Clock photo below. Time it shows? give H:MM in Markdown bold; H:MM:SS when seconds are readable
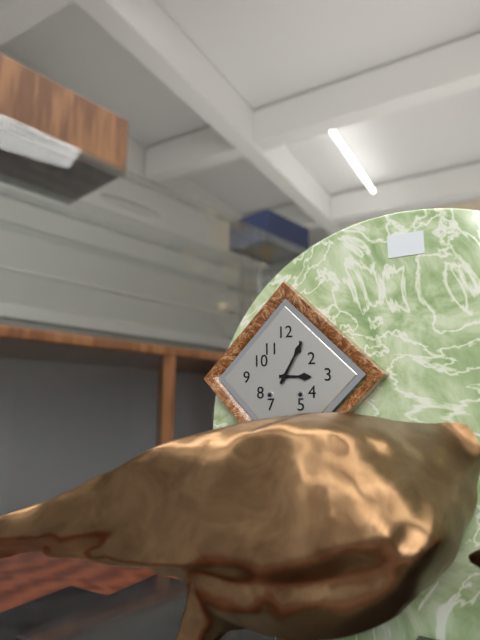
**3:05**
